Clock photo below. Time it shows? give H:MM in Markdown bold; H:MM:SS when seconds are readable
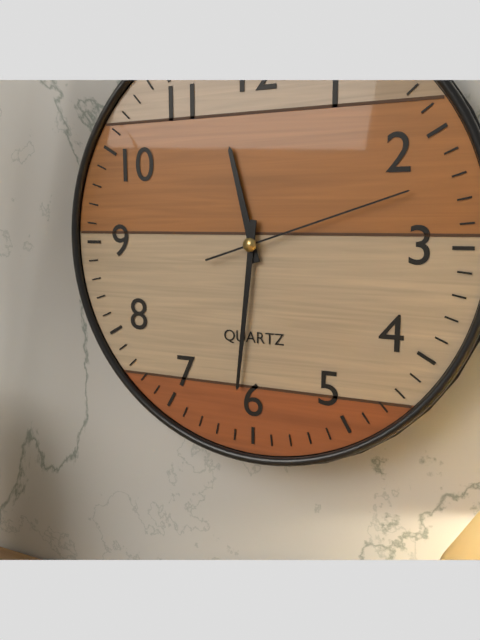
**11:31:12**
